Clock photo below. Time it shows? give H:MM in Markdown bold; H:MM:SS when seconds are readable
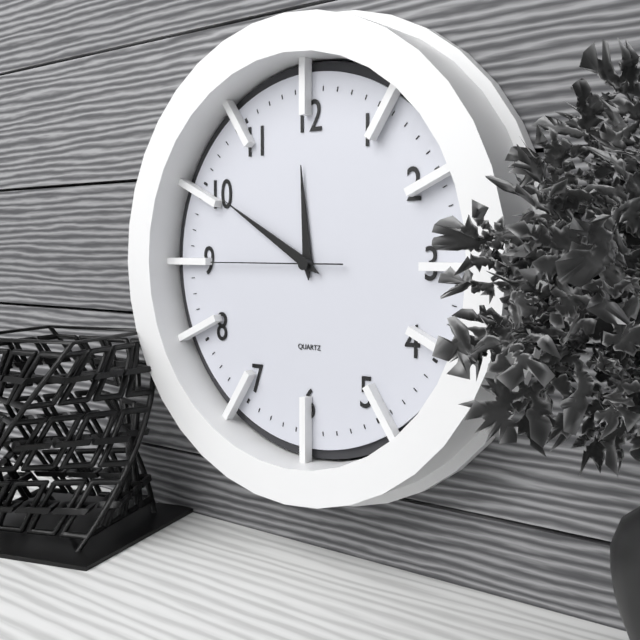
**11:50:45**
